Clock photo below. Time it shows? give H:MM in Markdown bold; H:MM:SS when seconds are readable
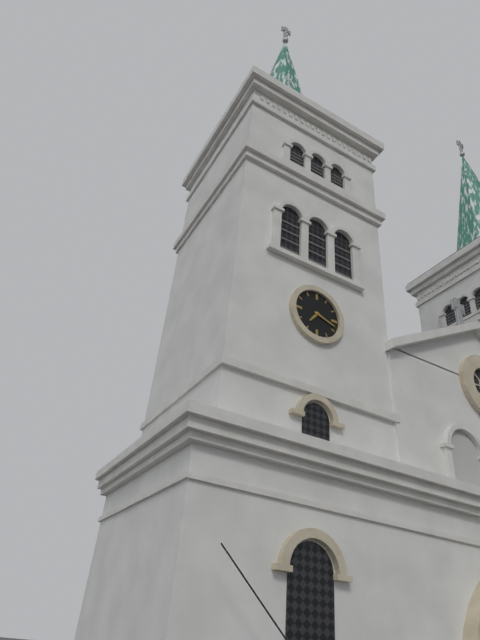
**7:18**
